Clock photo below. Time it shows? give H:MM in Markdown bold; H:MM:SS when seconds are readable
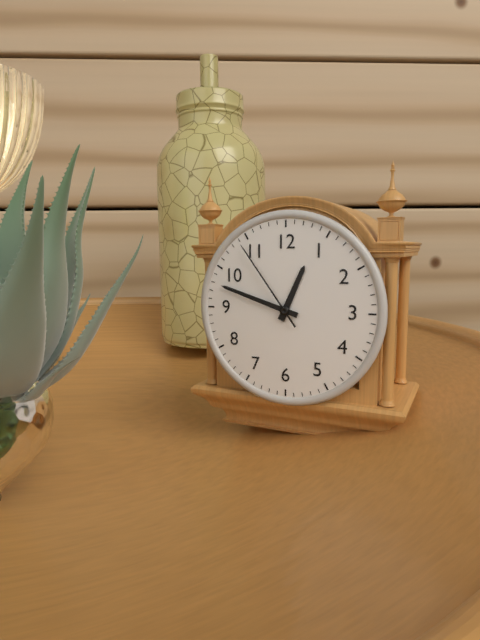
**12:48:54**
